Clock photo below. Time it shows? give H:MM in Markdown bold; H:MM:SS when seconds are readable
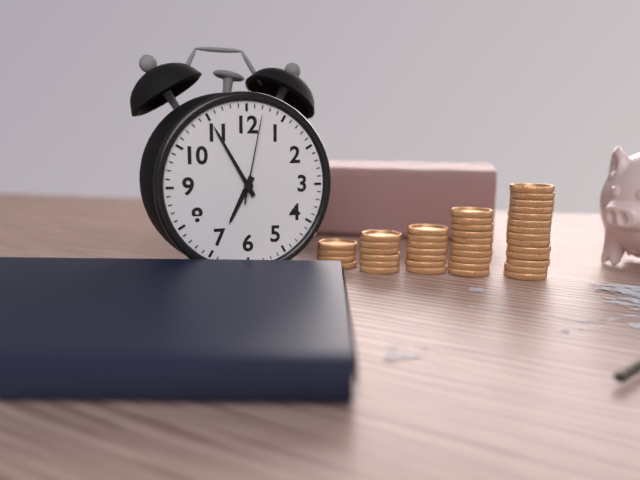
**6:55:02**
